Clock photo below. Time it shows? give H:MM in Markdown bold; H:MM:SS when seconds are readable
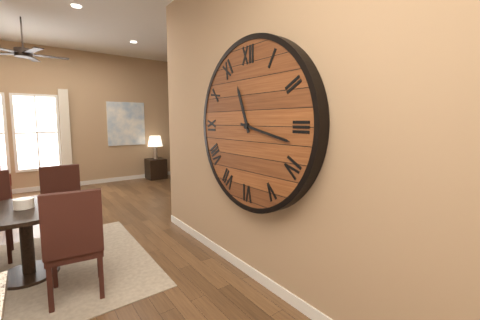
**11:17**
